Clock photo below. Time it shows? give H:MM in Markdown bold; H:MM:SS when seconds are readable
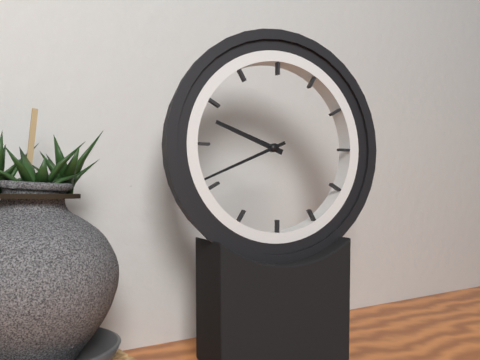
**9:41**
